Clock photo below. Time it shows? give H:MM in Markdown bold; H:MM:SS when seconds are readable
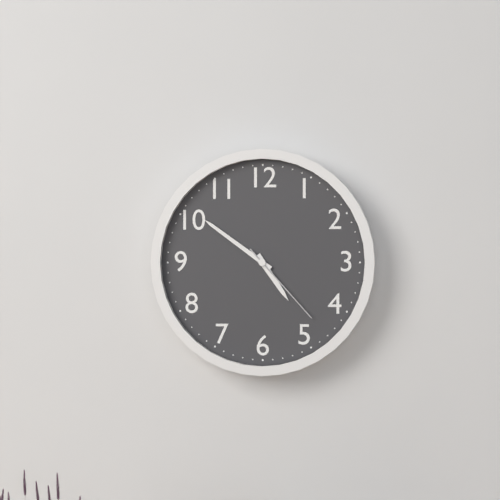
**4:51:23**
